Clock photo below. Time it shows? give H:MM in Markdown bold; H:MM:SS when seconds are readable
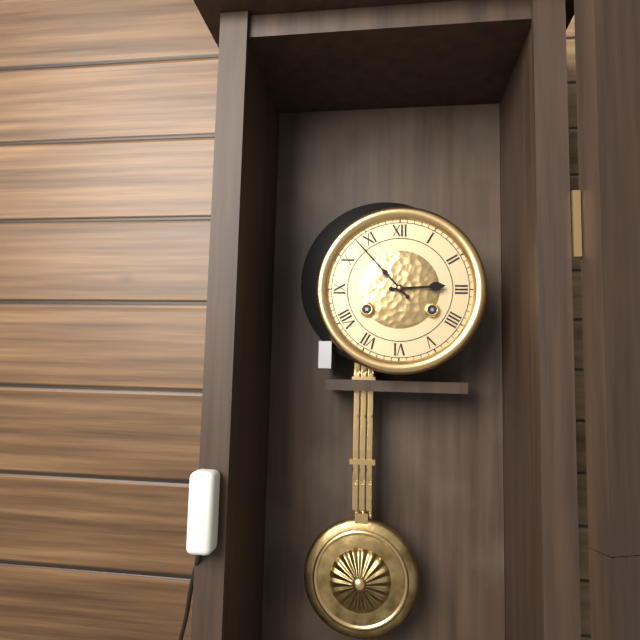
**2:53**
